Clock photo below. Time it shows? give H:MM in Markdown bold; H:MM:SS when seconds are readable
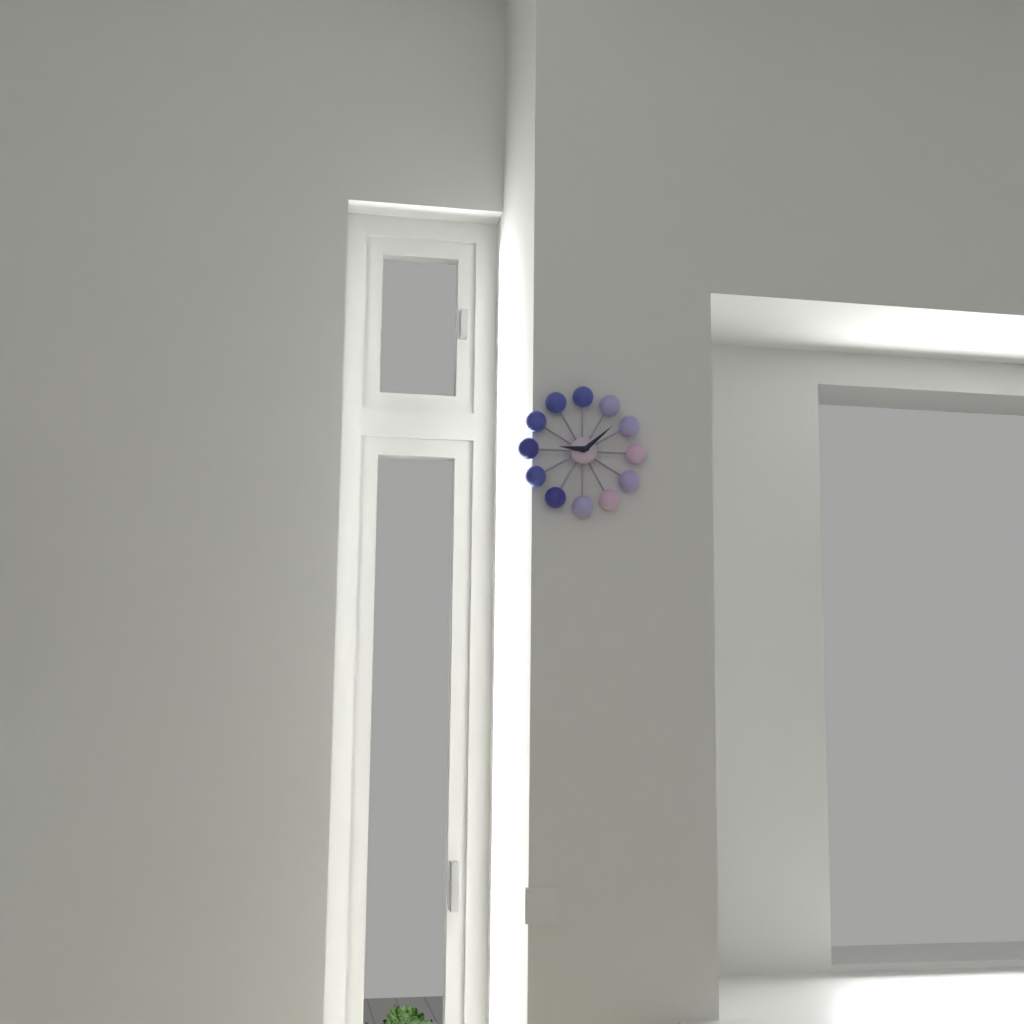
**9:08**
